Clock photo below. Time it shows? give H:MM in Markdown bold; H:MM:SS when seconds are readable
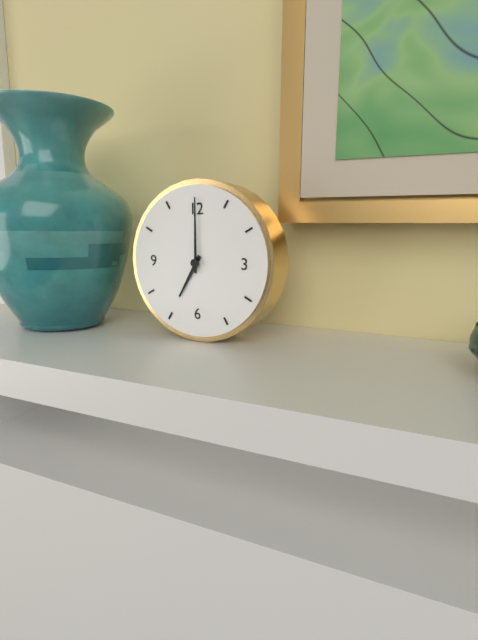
**7:00**
